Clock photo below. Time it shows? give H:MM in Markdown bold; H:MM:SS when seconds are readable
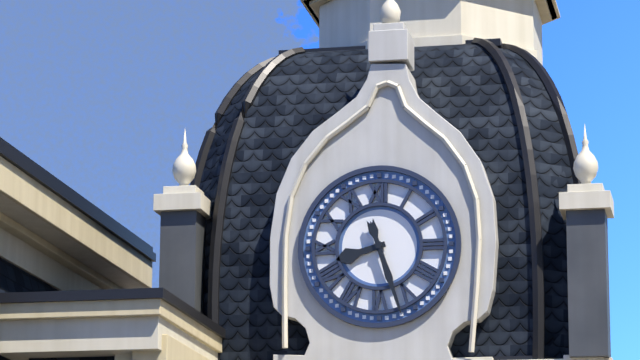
**8:27**
